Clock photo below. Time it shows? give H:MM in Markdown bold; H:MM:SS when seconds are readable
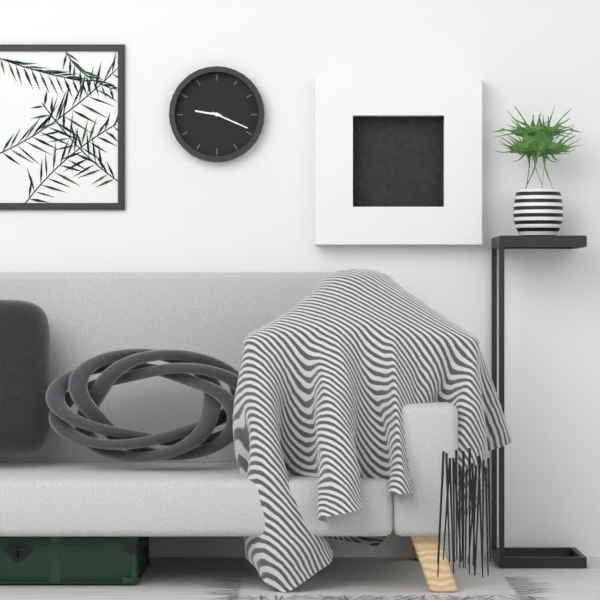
**9:19**
